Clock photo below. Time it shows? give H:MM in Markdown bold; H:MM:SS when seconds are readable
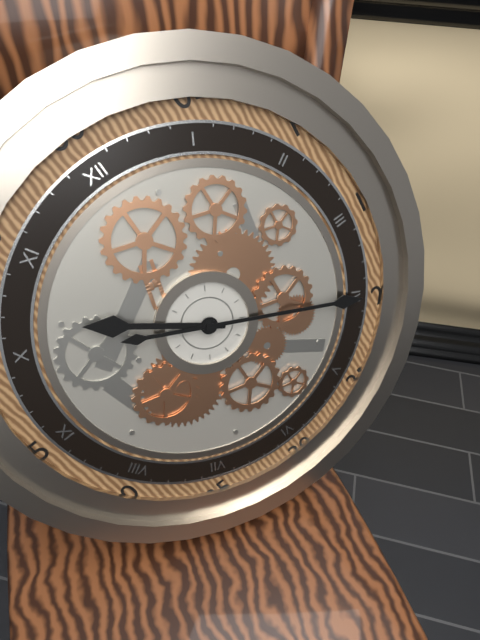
**10:20**
